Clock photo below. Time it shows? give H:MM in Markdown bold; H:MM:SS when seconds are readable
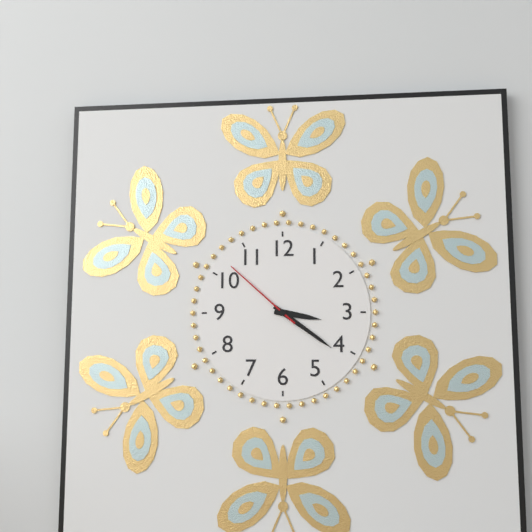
**3:21:52**
